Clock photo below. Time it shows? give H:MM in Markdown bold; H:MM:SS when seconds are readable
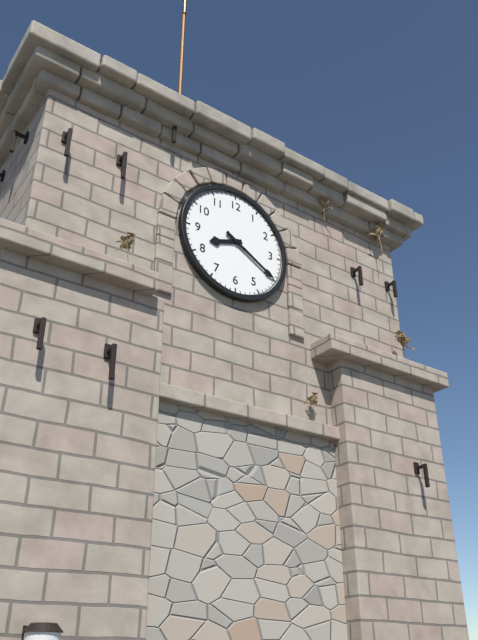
**8:20**
